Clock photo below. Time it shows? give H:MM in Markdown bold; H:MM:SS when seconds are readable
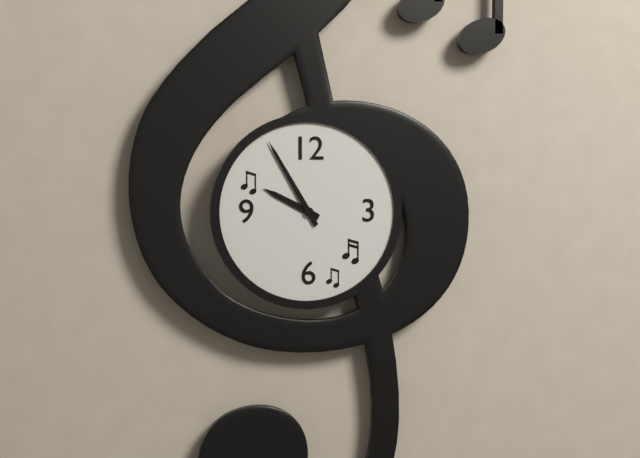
**9:55**
